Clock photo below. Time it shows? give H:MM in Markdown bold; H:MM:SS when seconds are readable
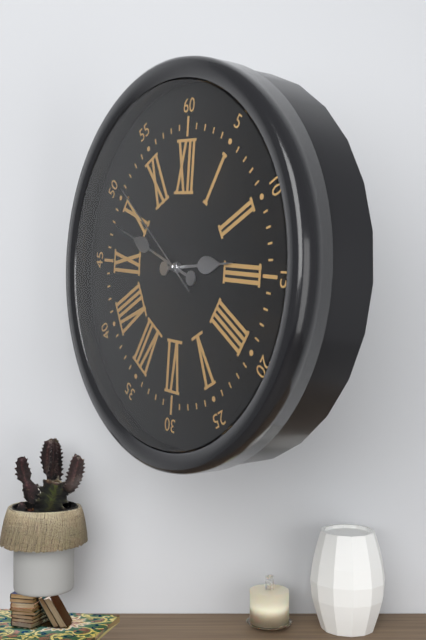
**2:48:51**
